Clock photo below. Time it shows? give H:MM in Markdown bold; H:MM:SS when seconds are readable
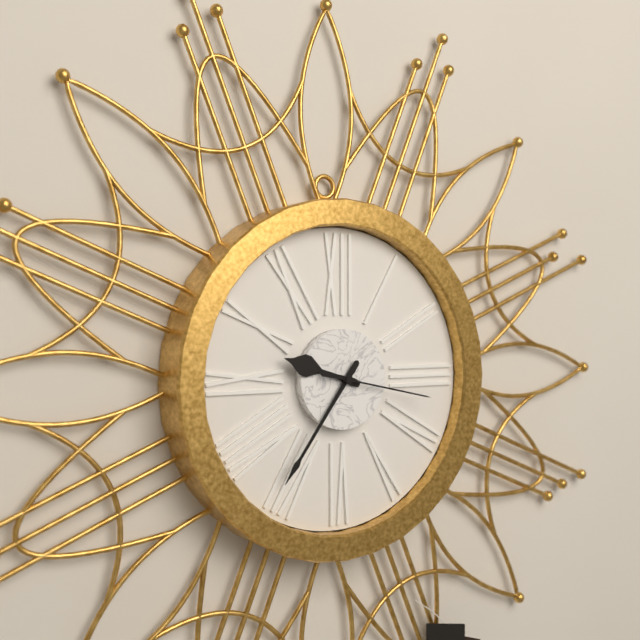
**9:36:17**
